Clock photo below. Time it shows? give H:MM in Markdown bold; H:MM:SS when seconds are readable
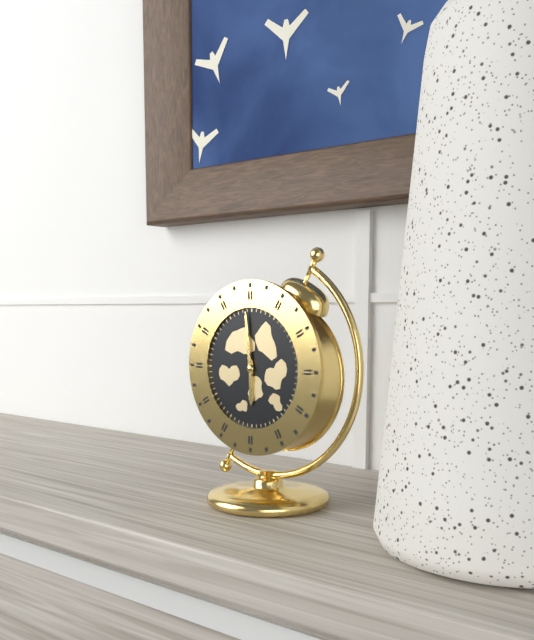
**5:59**
